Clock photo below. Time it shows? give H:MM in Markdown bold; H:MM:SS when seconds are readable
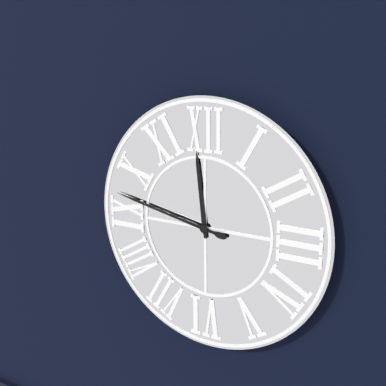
**11:47**
